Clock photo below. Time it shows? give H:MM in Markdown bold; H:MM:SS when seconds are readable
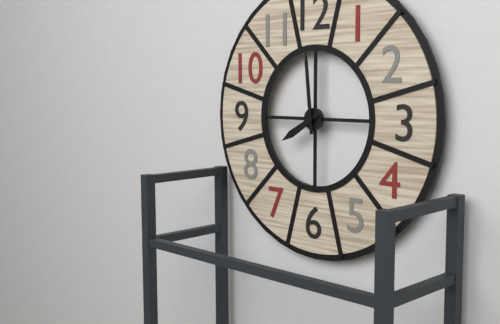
**7:59**
